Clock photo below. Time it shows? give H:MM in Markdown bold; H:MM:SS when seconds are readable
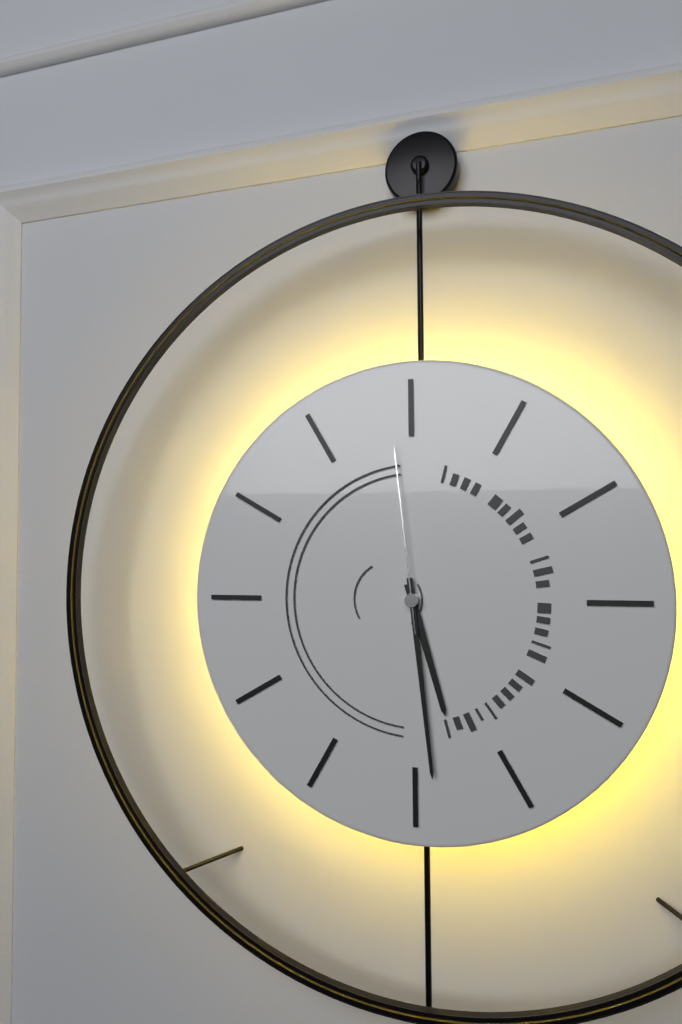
**5:29:59**
